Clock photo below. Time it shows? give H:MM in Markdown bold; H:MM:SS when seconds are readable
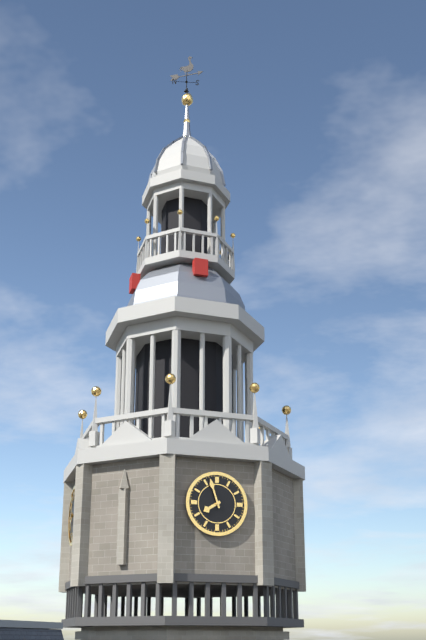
**7:57**
